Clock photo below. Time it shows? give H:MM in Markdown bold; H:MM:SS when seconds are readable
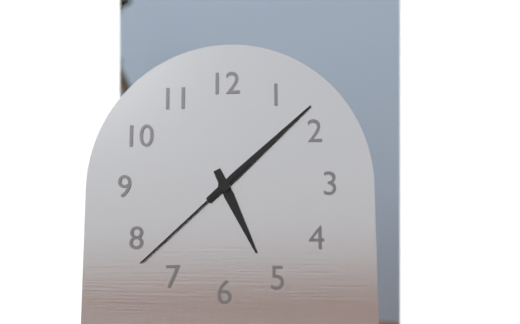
**5:08:38**
